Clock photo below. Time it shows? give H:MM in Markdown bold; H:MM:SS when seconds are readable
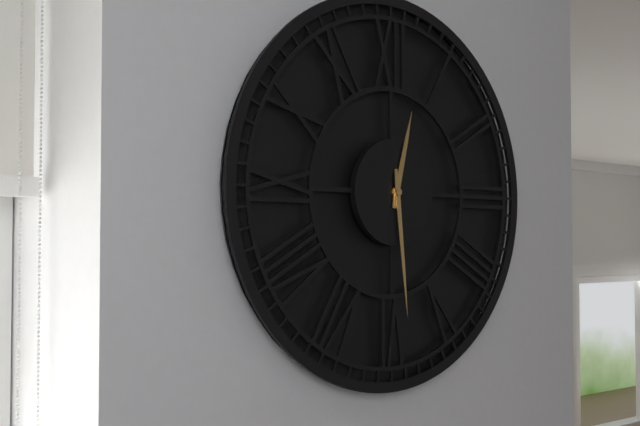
**12:29**
